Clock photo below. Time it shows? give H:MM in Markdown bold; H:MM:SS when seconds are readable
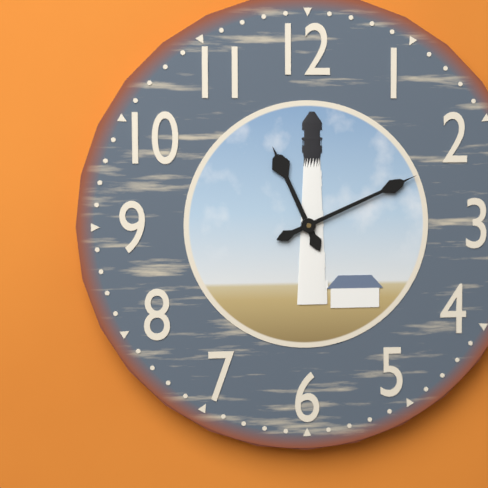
**11:11**
